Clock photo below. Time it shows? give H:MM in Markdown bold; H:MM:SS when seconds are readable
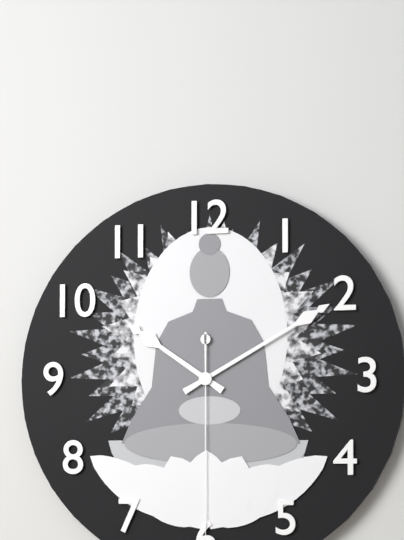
**10:10:30**
